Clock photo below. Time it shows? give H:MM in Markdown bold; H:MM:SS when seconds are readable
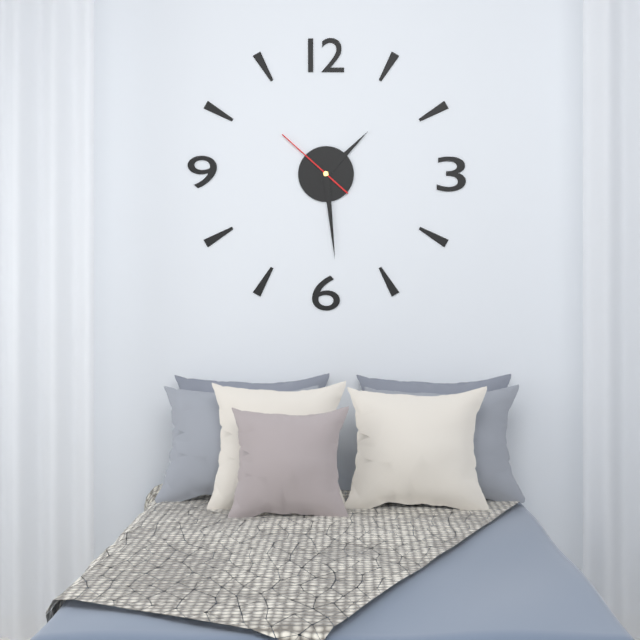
**1:29:52**
